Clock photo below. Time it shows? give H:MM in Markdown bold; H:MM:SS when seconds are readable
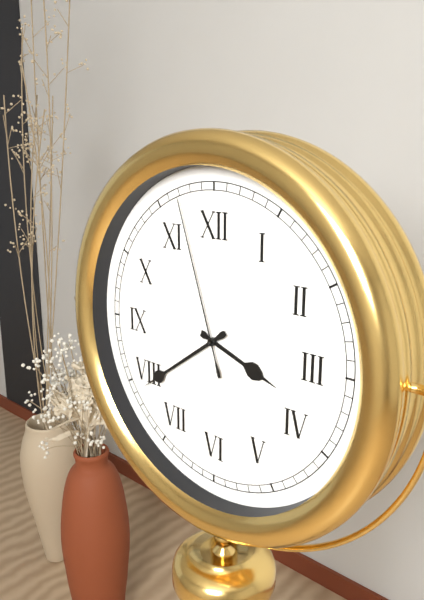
**3:39:57**
